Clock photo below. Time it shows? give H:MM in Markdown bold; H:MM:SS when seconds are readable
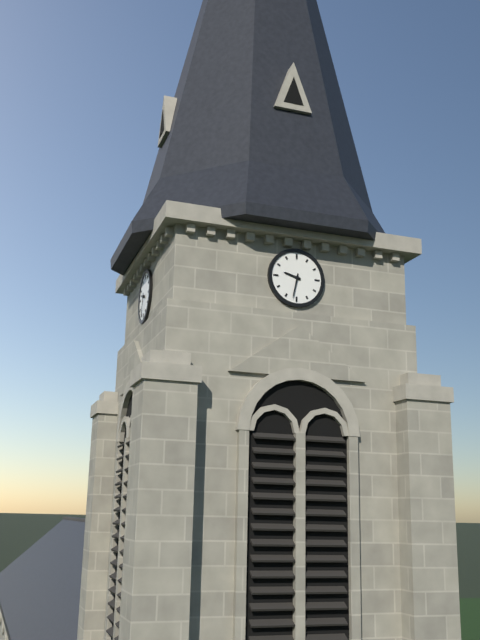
**9:32**
